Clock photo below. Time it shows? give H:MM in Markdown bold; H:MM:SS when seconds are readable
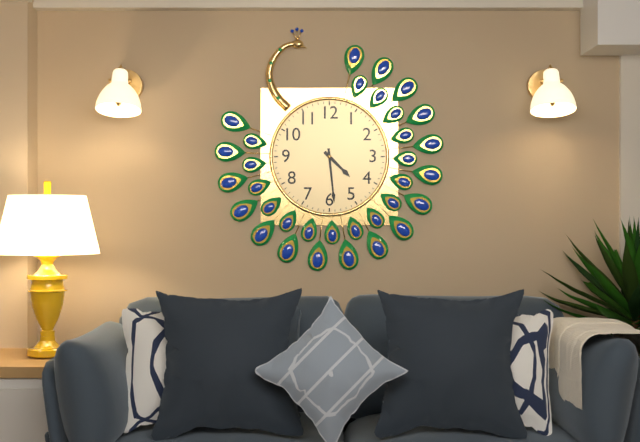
**4:29**
